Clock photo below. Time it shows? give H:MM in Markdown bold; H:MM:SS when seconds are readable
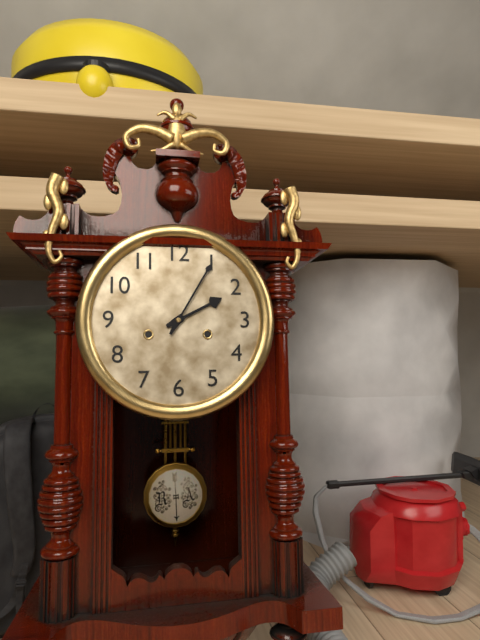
**2:05**
